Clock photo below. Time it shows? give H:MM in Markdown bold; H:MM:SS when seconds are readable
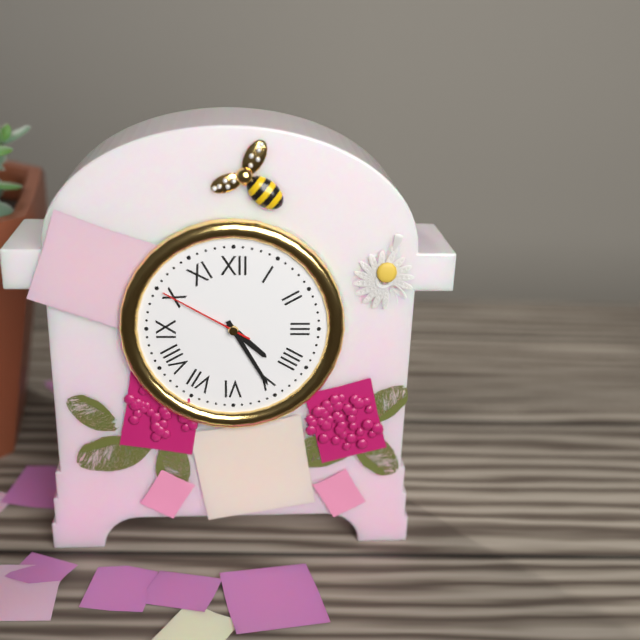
**4:25:50**
